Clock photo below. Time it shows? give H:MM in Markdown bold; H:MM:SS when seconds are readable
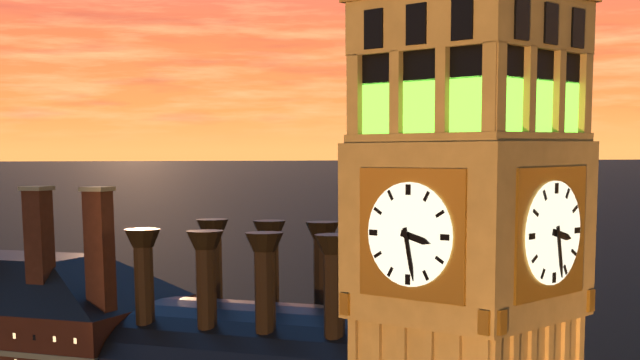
**3:28**
